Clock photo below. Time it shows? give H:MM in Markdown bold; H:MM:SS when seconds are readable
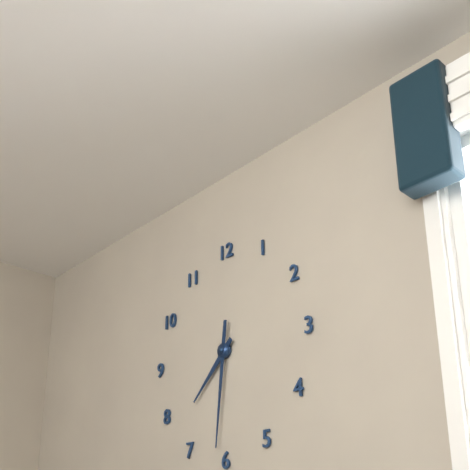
**7:31**
